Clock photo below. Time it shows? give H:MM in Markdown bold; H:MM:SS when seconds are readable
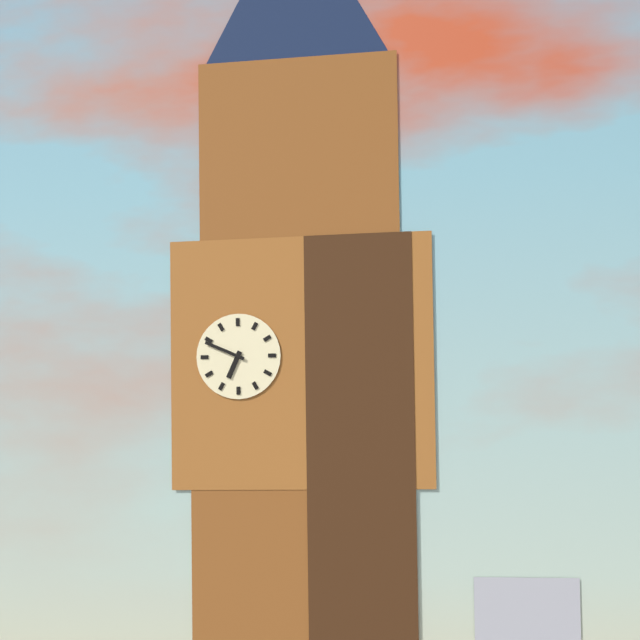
**6:49**
